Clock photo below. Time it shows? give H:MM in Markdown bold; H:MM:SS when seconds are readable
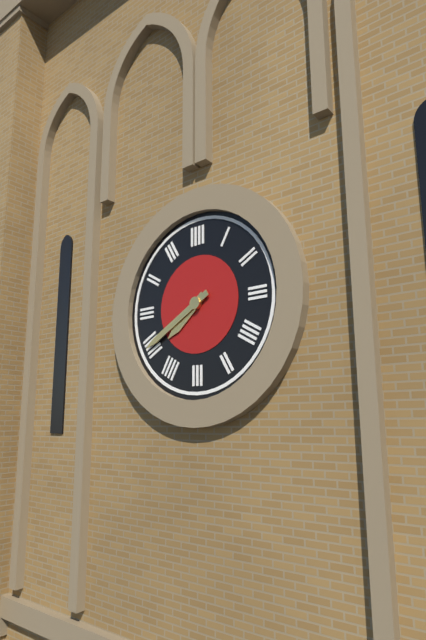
**7:40**
